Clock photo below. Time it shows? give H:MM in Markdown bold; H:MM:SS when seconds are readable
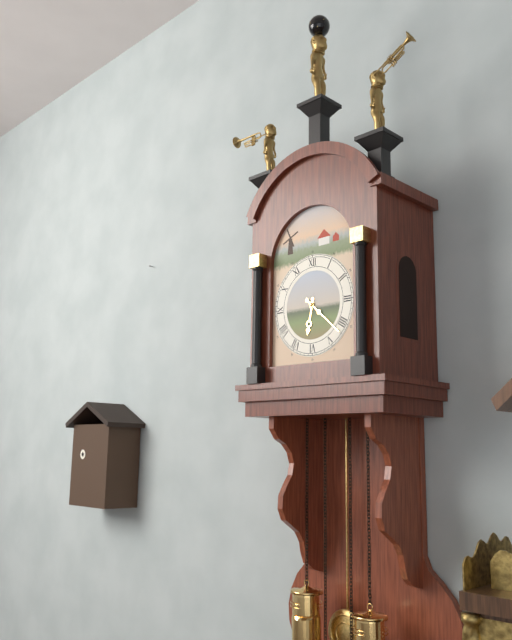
**6:22**
